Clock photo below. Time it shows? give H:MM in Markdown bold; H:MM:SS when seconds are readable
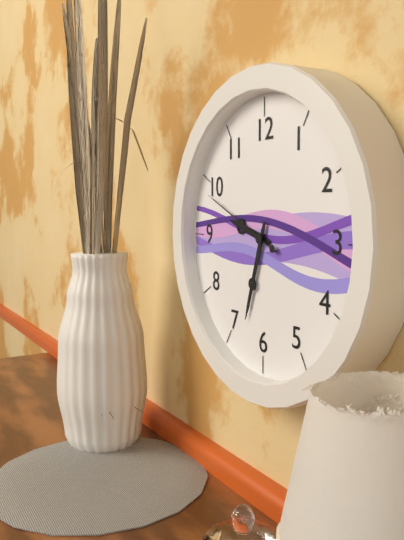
**9:33:49**
